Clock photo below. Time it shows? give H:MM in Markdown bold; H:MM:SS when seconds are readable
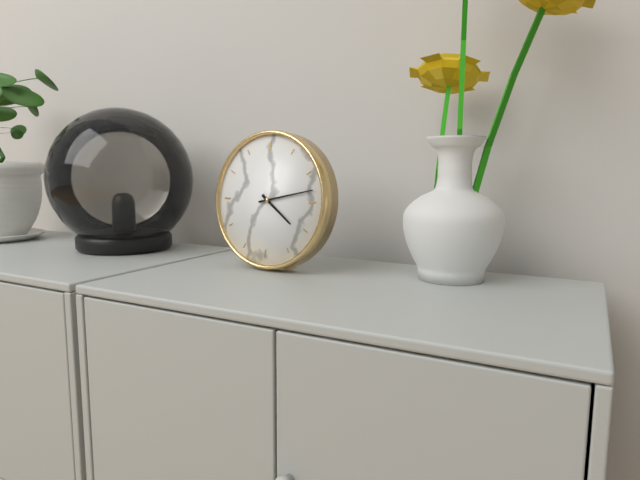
**4:13**
